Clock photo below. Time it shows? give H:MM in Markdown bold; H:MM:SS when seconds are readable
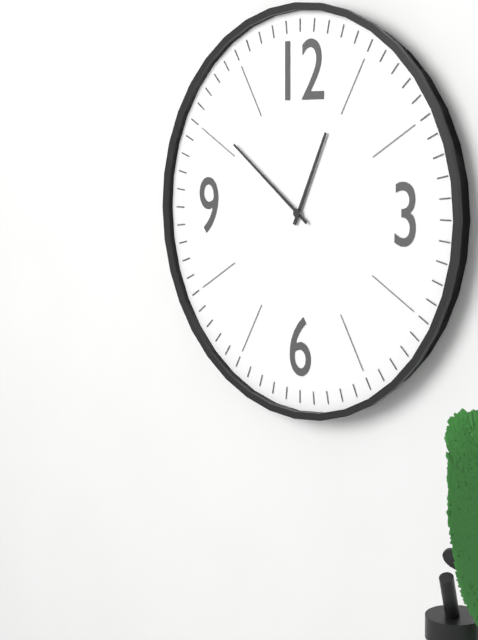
**12:51**
